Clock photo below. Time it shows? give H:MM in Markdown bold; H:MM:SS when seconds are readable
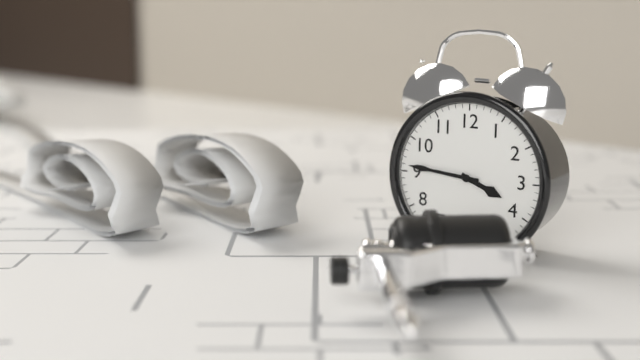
**3:46**
